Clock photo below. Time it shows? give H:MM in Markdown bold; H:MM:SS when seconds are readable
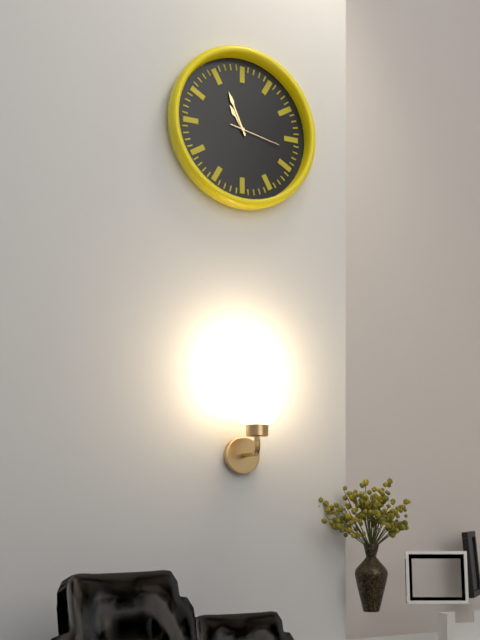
**10:56:17**
